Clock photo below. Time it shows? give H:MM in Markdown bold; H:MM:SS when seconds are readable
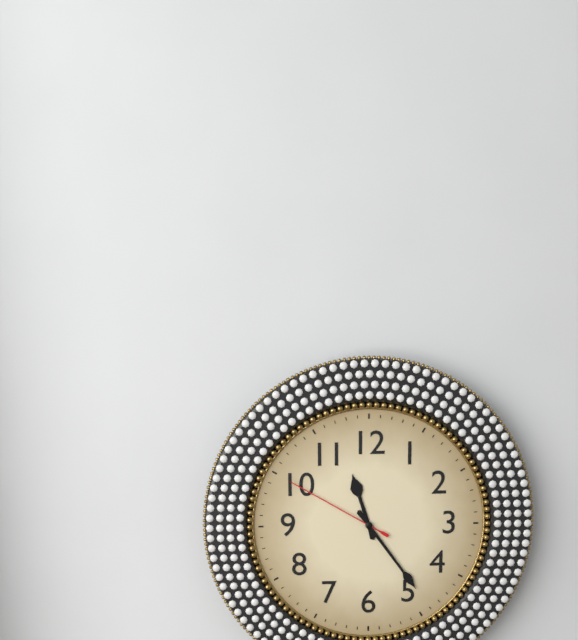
**11:24:50**
